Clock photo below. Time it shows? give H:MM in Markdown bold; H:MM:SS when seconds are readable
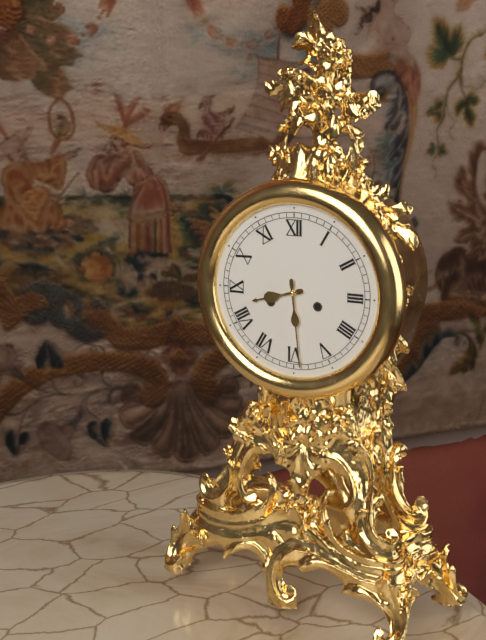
**8:29**
